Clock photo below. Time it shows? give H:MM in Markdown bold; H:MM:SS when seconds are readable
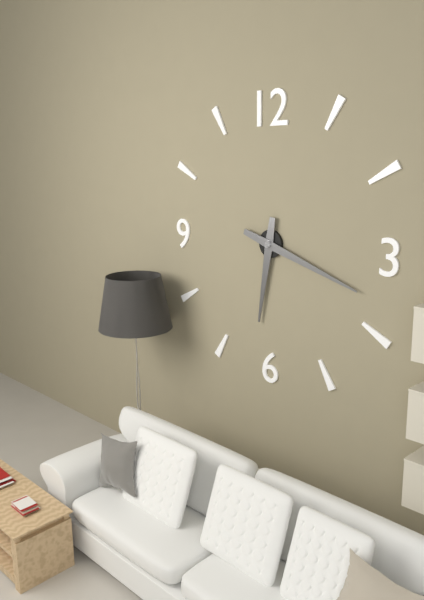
**6:18**
